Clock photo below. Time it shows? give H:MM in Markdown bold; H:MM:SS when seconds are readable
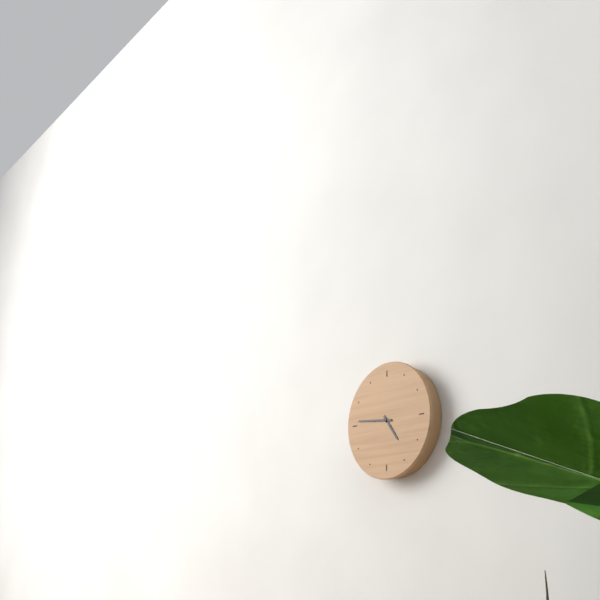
**4:46**
